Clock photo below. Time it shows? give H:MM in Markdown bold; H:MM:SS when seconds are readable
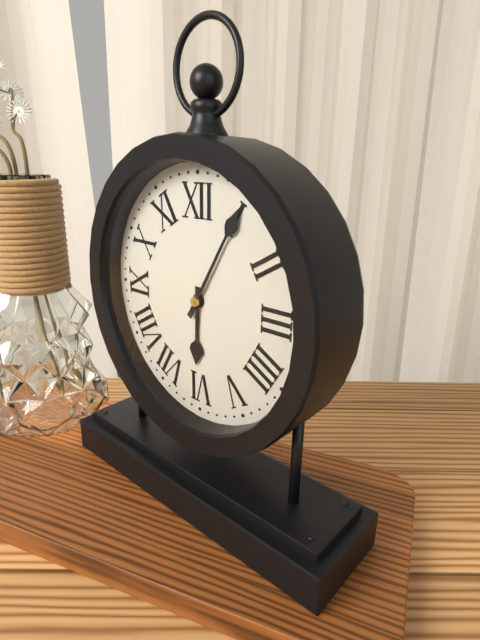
**6:05**
